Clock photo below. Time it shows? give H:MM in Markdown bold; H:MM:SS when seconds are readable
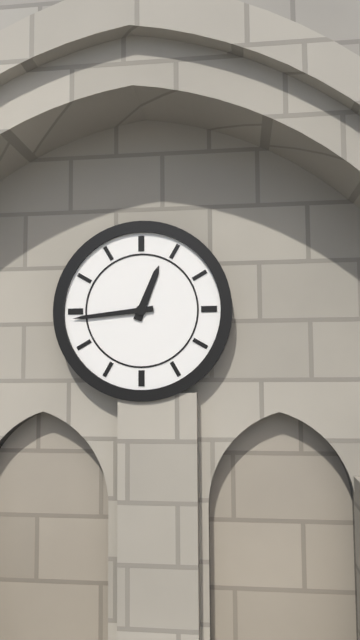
**12:44**
